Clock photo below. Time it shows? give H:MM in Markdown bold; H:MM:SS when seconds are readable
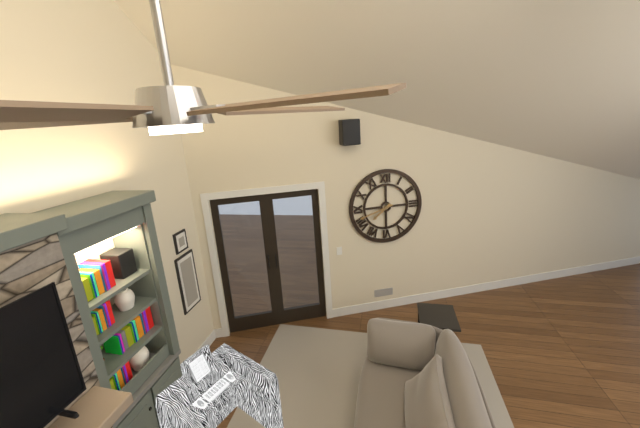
**7:42**
